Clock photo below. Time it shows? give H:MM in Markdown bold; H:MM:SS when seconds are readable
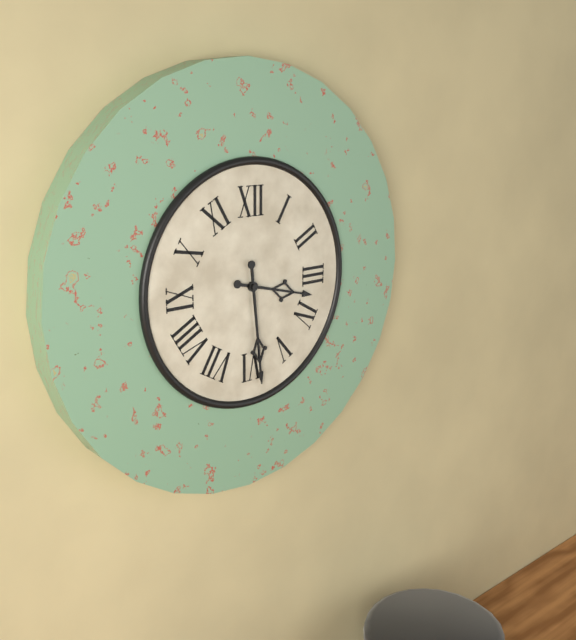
**3:29**
